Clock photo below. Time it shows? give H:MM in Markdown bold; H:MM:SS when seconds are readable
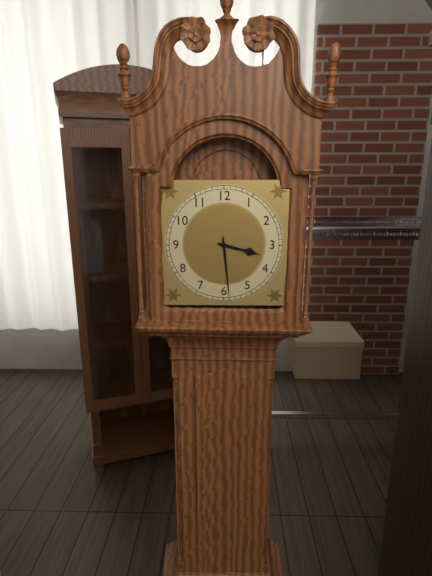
**3:29**
